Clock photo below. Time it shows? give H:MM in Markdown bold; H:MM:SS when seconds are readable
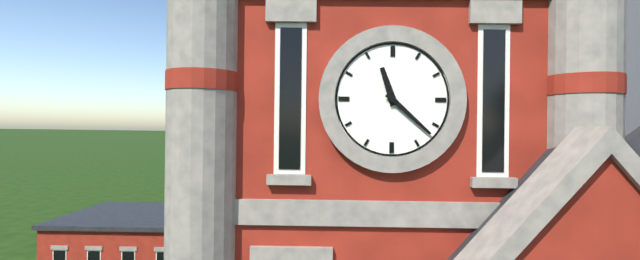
**11:22**
